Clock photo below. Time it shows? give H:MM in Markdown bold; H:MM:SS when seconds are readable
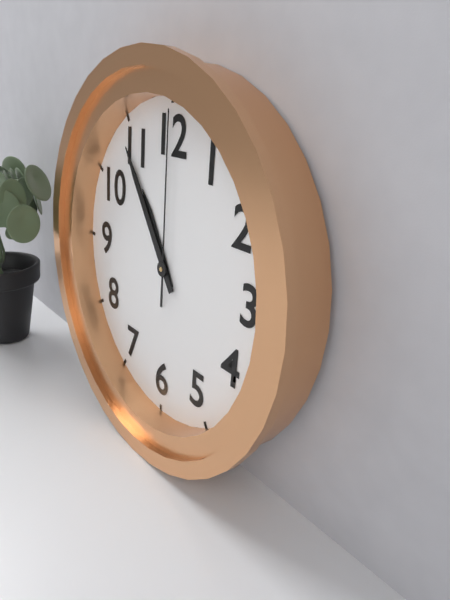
**10:54:00**
